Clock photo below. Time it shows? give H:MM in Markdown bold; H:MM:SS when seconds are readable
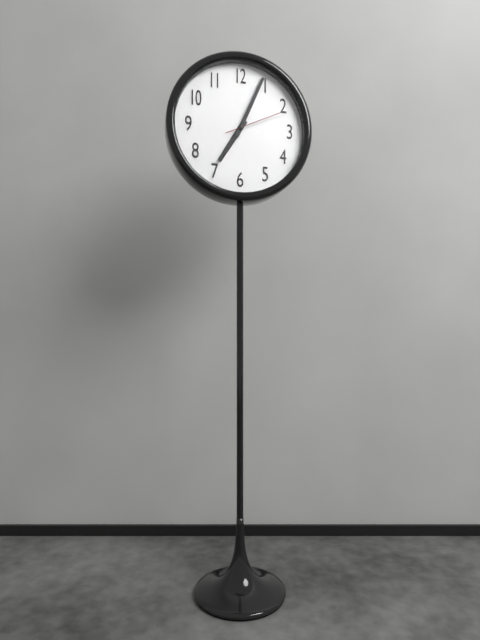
**7:04:11**
